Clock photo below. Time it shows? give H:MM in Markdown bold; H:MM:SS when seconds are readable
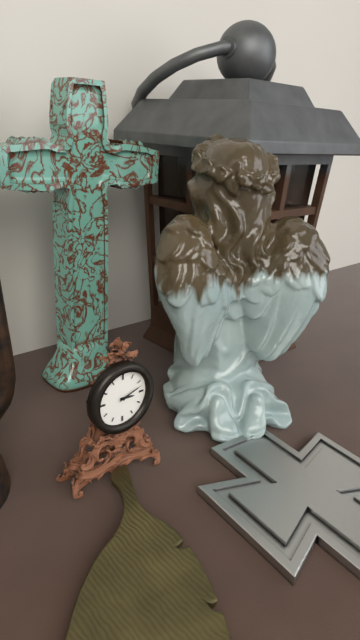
**3:12**
